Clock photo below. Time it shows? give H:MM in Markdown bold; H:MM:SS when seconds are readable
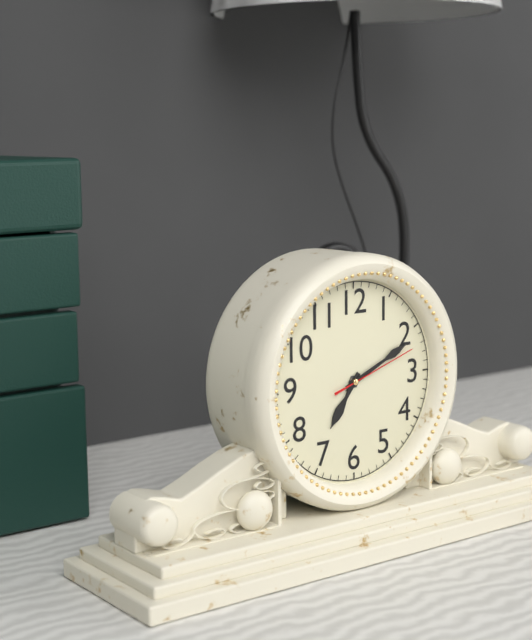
**7:11:12**
